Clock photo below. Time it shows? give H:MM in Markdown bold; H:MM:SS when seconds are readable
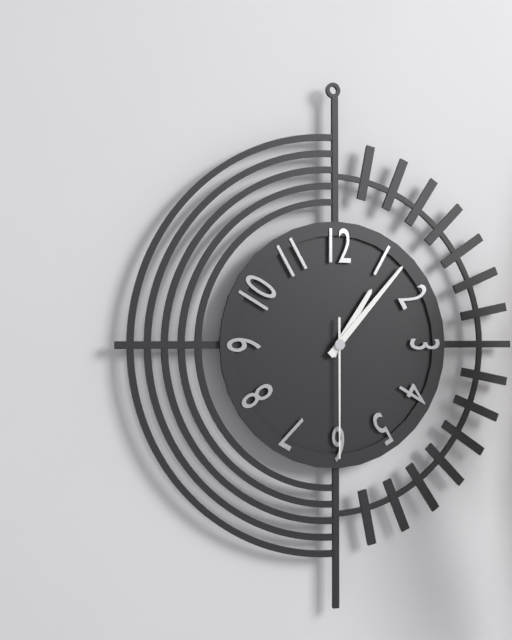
**1:07:30**
